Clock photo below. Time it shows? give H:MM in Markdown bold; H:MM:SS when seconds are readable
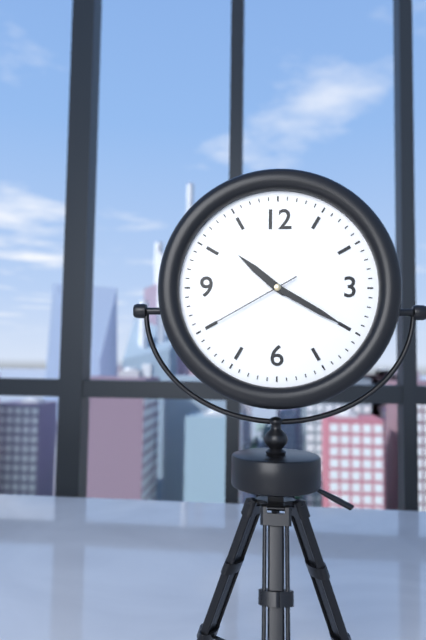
**10:20:40**
